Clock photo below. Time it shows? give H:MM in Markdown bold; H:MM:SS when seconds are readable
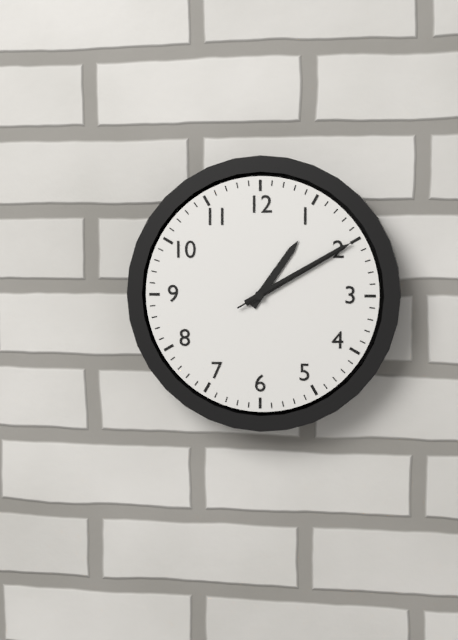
**1:10:10**
